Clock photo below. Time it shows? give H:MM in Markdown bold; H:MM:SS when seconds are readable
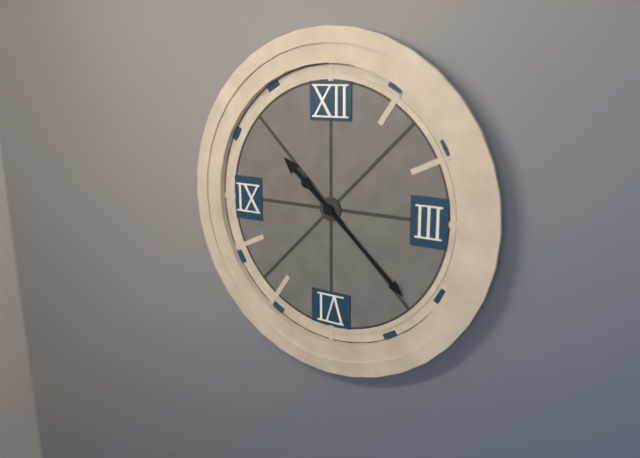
**10:22**
